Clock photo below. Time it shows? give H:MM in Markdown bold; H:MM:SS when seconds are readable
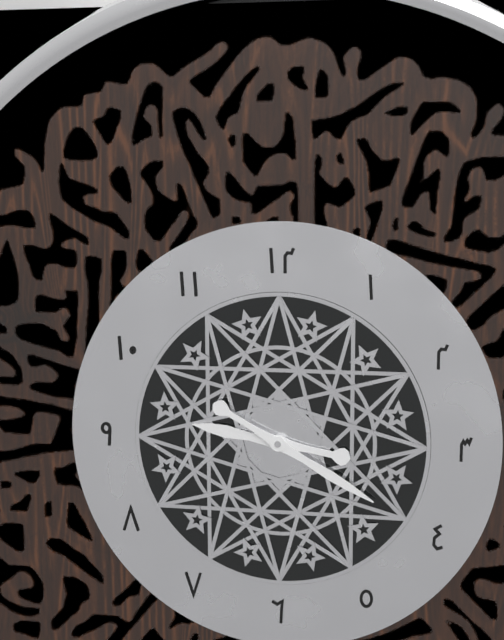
**9:20**
